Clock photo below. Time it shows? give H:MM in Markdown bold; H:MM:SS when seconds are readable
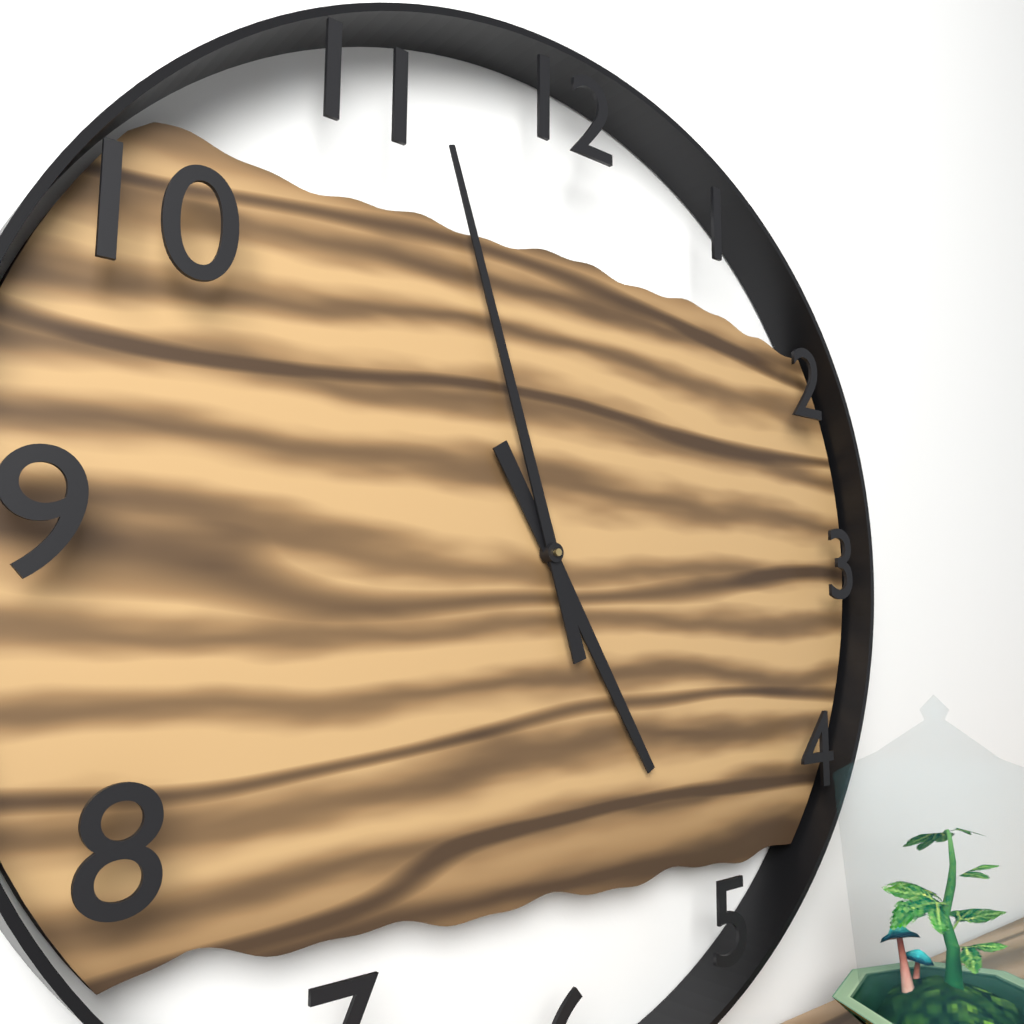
**4:57**
